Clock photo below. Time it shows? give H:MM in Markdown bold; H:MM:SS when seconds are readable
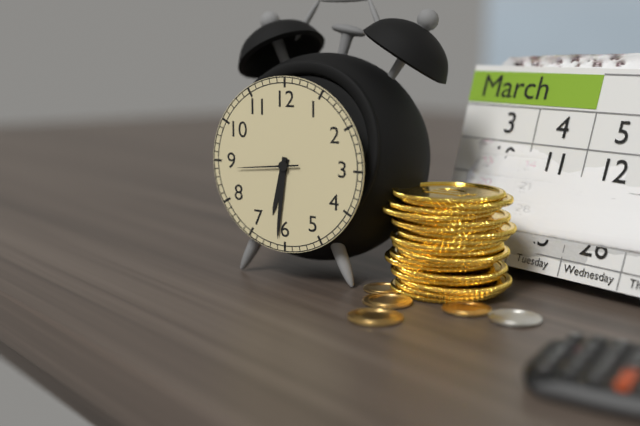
**6:31:44**
